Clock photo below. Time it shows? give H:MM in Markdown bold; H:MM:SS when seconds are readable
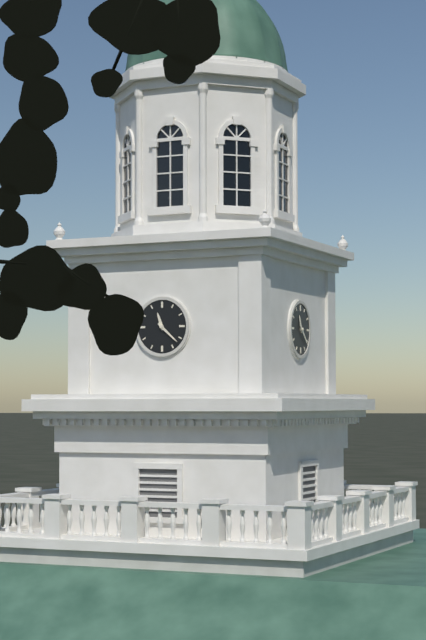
**11:22**
